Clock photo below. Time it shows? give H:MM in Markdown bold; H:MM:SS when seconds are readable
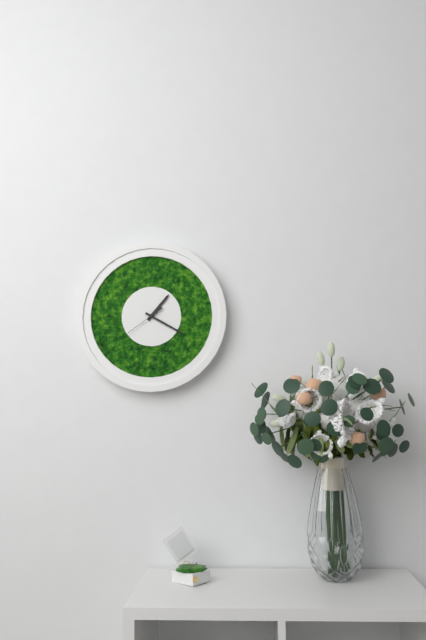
**1:20**
